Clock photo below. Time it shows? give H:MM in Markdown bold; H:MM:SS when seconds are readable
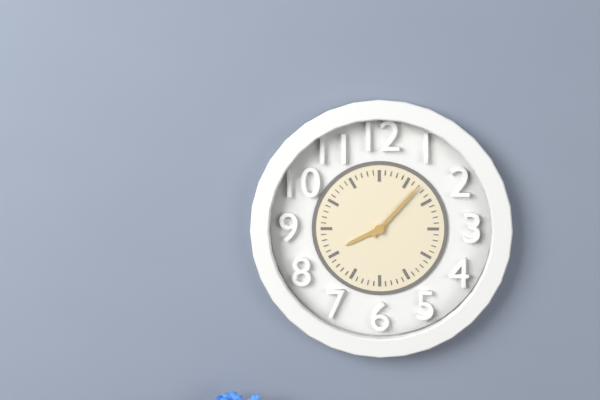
**8:07**
